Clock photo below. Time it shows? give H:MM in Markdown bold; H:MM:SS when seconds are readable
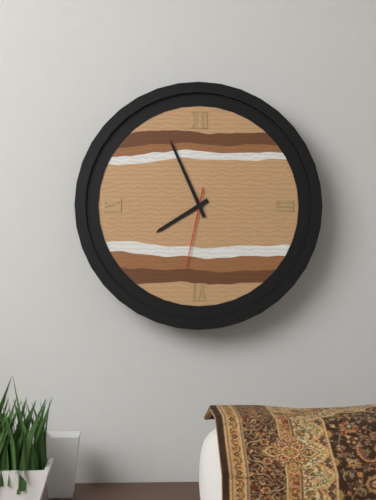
**7:56:32**
